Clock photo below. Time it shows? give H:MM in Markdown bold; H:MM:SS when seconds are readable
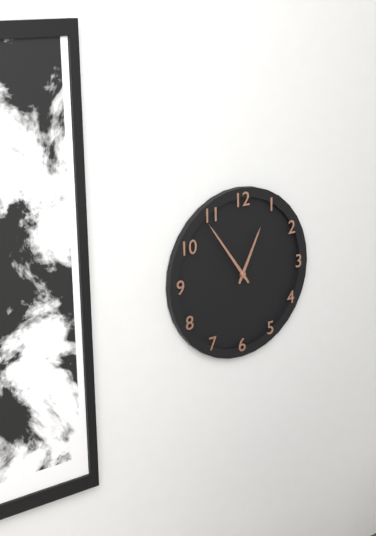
**12:54**
